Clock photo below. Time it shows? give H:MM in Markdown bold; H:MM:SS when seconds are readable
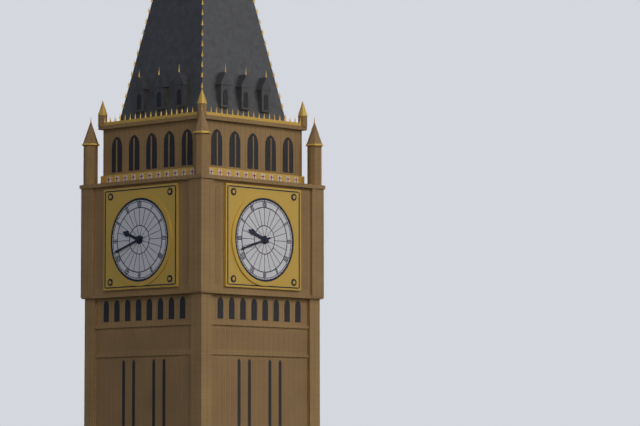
**9:42**
